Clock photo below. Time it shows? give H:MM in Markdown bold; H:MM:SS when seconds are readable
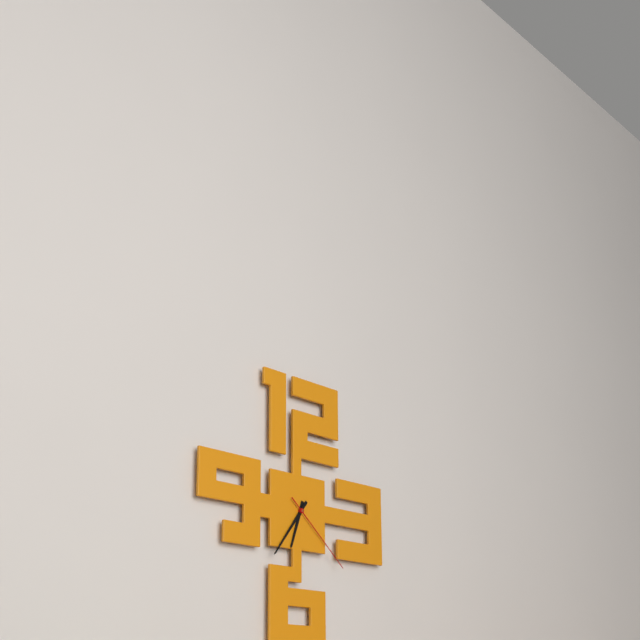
**6:36:22**
